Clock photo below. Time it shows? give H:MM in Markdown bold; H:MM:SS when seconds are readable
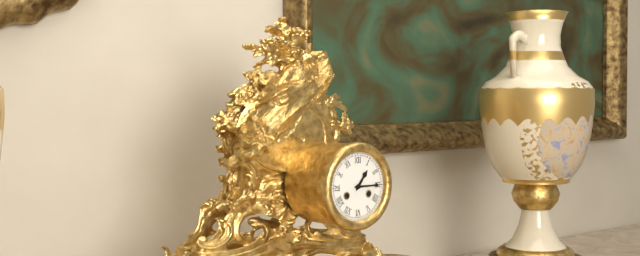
**1:15**
